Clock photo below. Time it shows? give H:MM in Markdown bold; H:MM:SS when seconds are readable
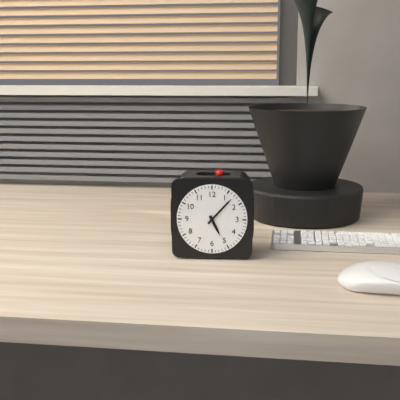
**5:07**
